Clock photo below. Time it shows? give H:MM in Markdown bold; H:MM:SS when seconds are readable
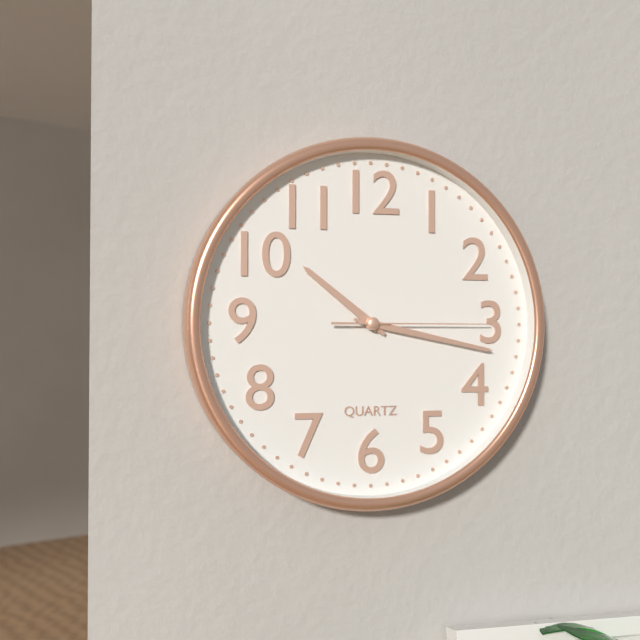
**10:17:15**
